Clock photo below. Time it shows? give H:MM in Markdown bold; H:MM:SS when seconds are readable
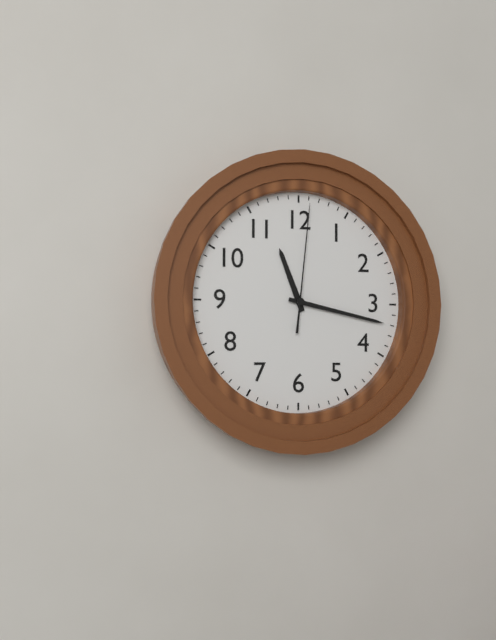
**11:17:01**
